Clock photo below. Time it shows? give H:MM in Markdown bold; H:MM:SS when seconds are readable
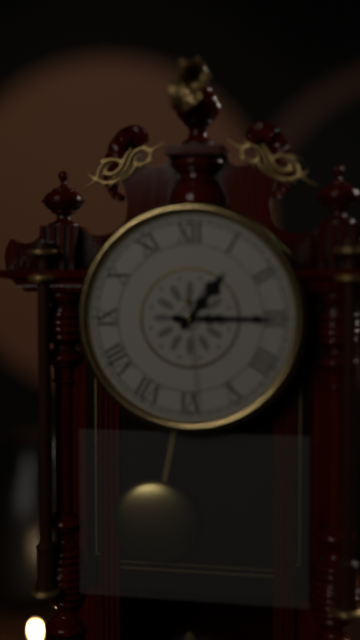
**1:15:29**
